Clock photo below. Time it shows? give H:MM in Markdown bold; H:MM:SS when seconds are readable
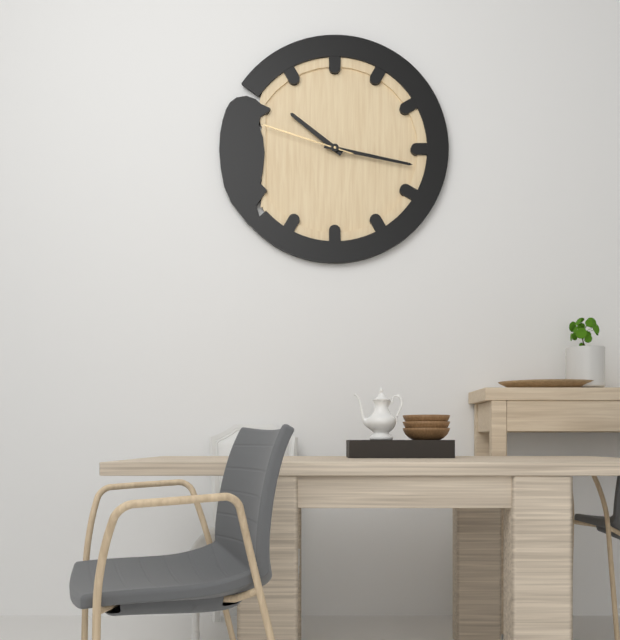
**10:17:48**
